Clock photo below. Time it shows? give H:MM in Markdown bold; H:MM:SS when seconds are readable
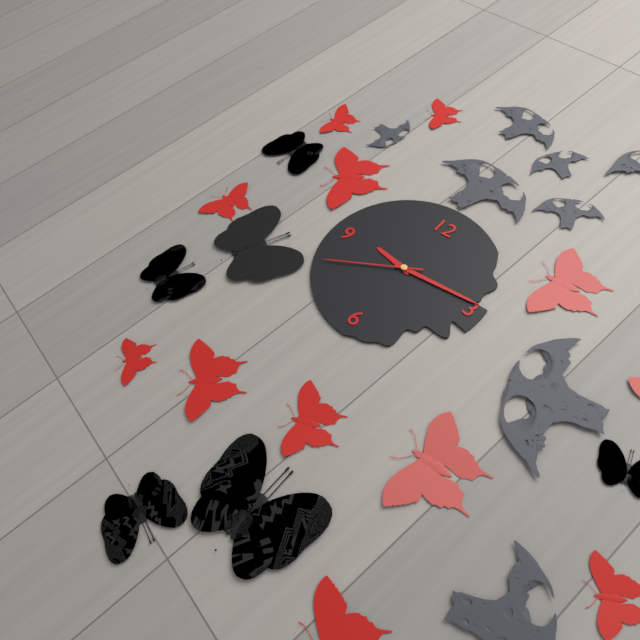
**9:14:40**
